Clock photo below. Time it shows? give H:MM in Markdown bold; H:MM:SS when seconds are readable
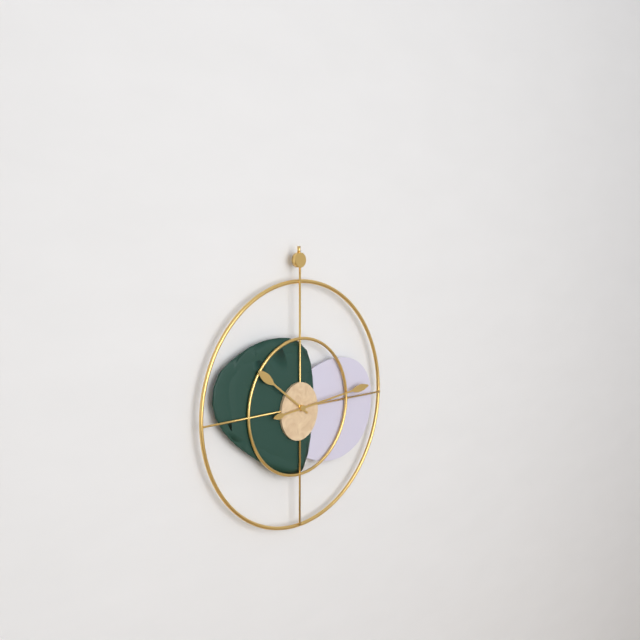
**10:14**
